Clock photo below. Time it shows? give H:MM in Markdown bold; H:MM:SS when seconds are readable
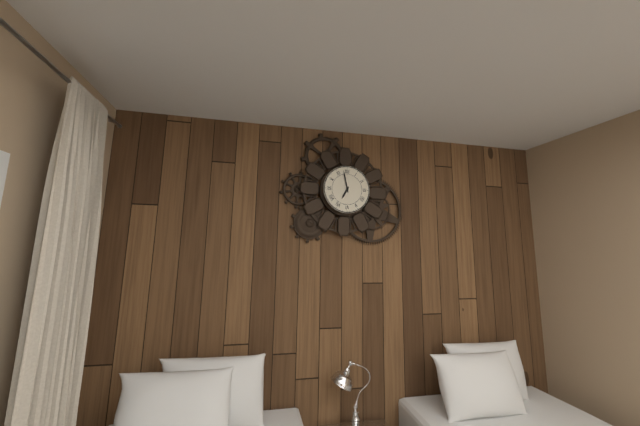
**6:58**
